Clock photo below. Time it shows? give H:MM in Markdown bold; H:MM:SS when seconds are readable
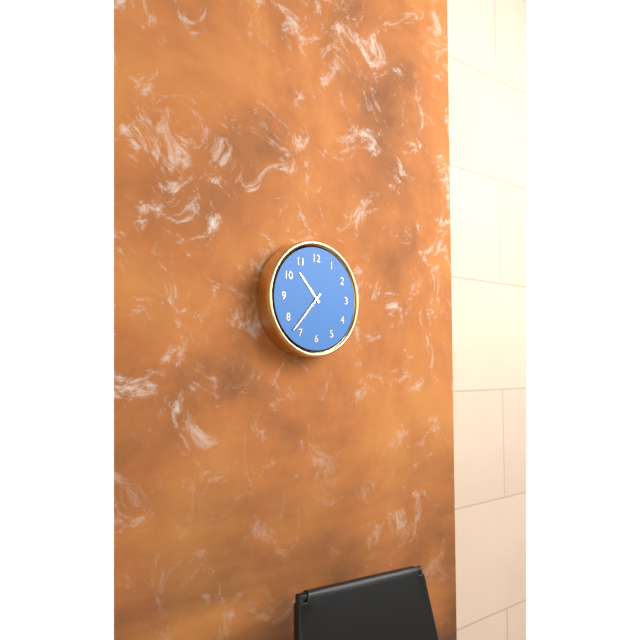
**10:37**
